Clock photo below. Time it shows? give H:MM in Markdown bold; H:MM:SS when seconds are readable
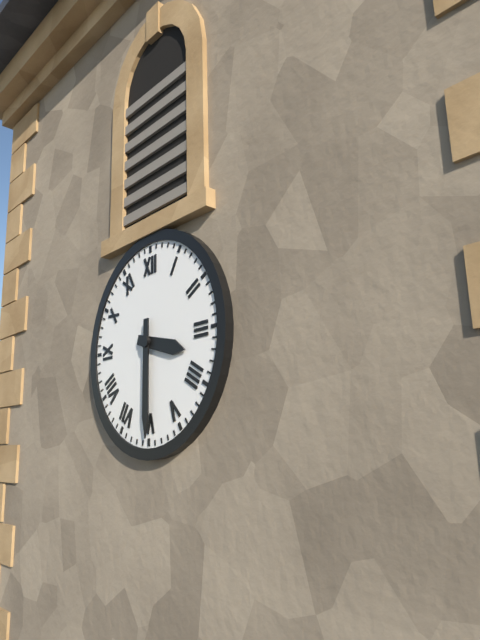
**3:30**
